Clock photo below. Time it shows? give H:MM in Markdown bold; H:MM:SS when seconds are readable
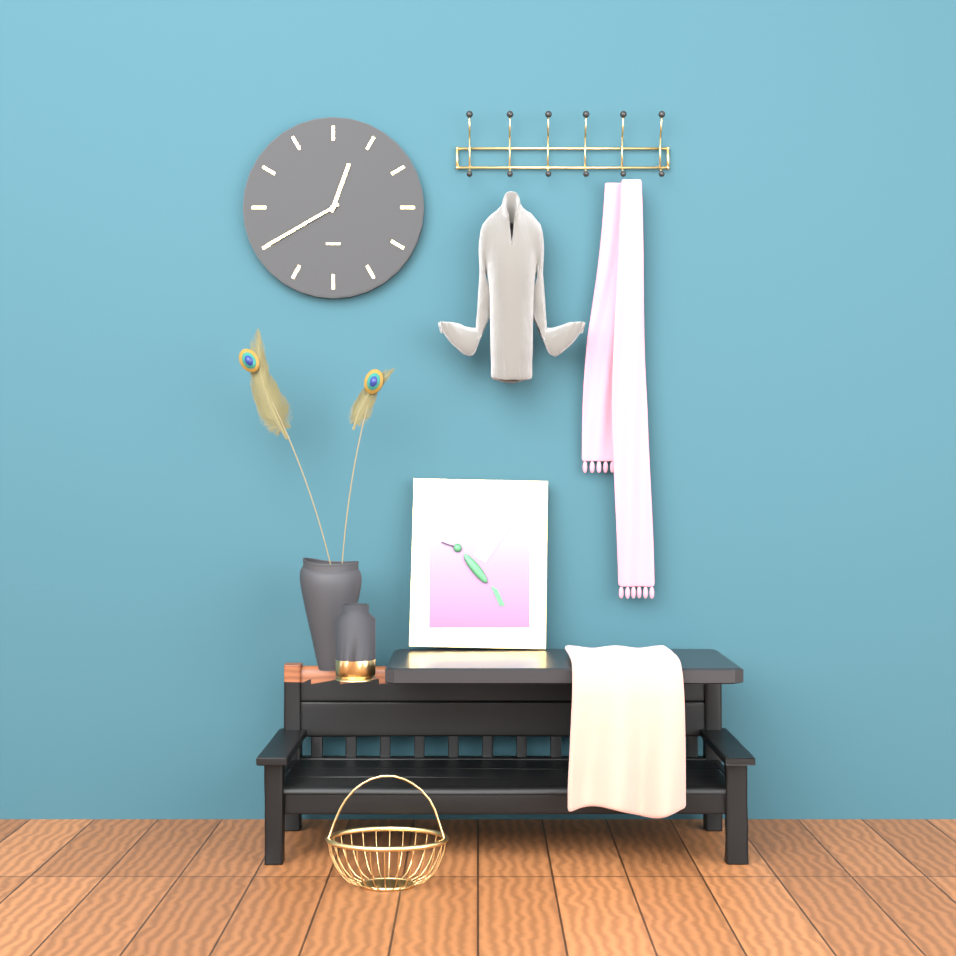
**12:40**
